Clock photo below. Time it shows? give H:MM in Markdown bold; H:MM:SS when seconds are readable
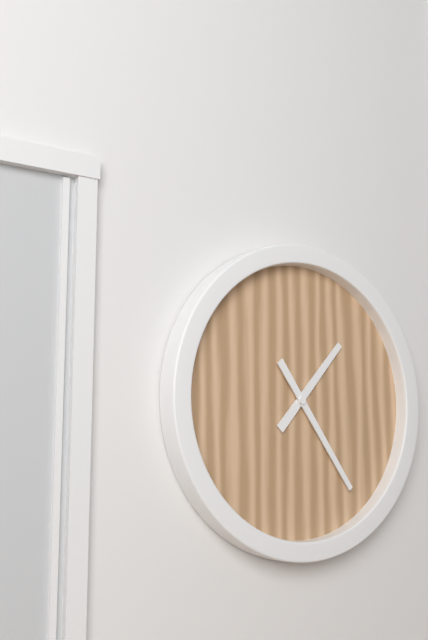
**1:24**
